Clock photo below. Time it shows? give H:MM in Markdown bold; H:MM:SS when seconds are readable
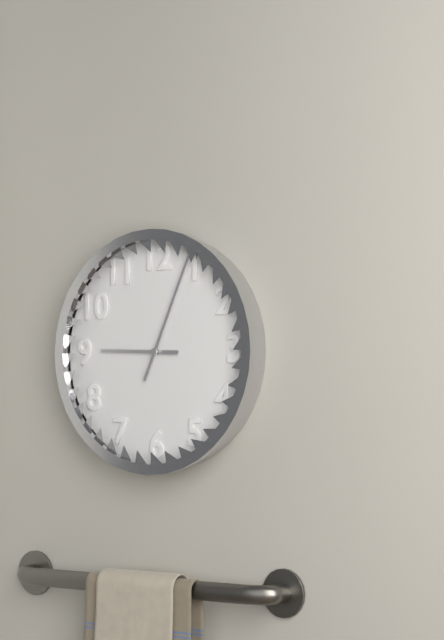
**9:04**
